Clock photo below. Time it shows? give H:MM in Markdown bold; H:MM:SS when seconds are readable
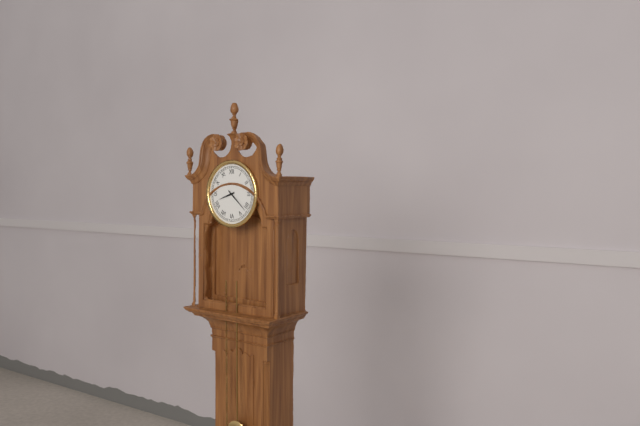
**8:22**
